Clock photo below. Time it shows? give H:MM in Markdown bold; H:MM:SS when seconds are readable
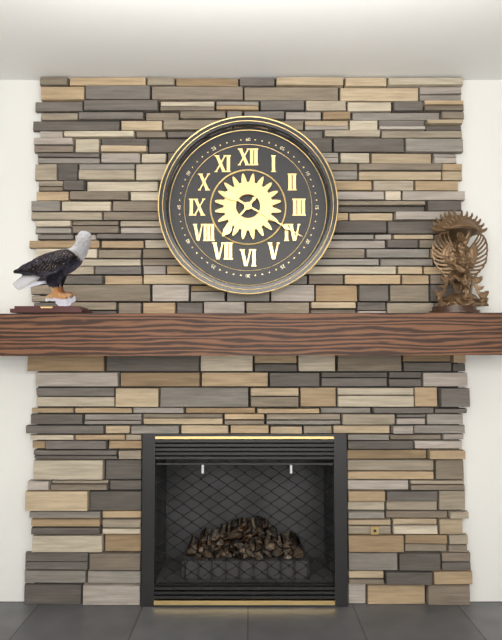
**7:20**
